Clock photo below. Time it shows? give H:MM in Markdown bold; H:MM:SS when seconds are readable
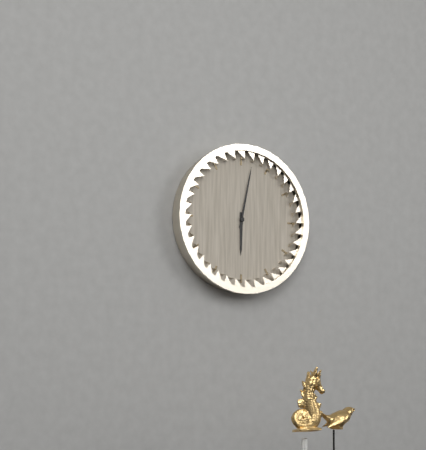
**6:02**
